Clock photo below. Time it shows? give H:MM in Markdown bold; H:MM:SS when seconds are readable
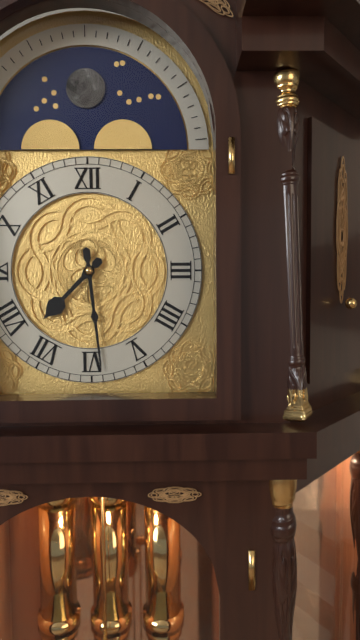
**7:29**
